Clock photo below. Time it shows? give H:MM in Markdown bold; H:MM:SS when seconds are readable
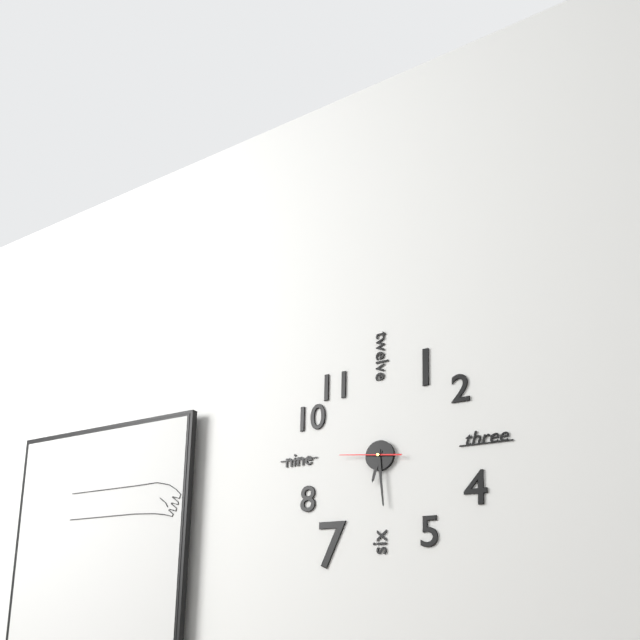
**6:29:46**
